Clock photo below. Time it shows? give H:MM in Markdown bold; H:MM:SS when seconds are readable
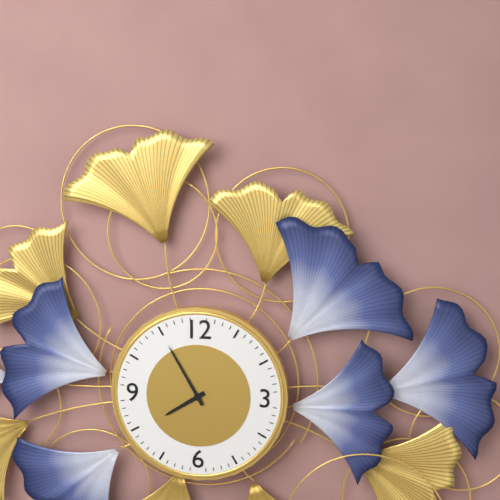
**7:55**
